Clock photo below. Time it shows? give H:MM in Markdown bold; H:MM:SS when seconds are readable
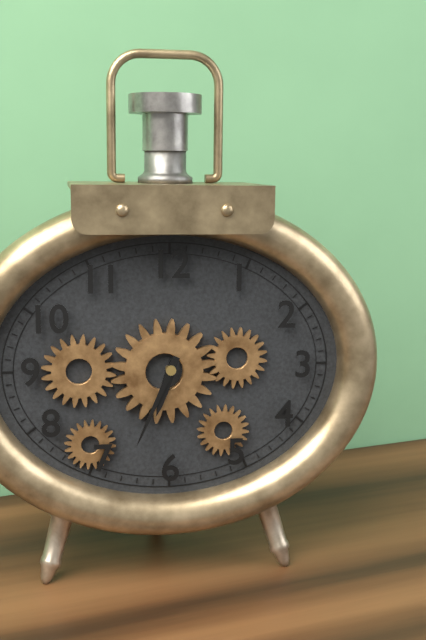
**6:34**
